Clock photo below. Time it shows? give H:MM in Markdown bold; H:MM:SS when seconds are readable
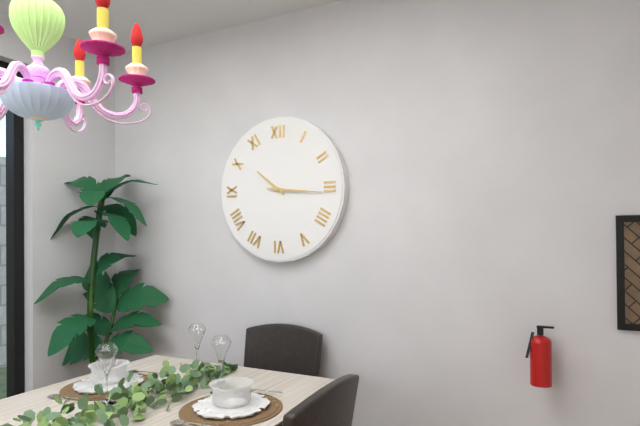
**10:16**
